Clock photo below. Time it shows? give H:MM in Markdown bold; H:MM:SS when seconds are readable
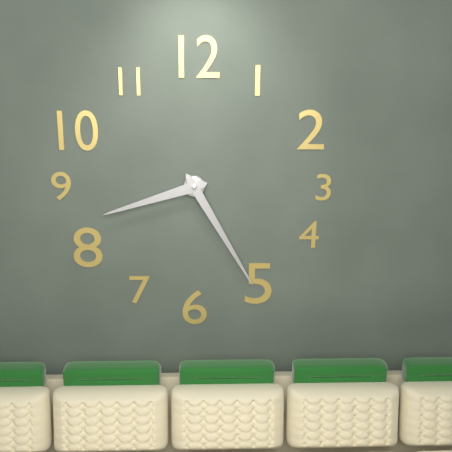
**8:25**
